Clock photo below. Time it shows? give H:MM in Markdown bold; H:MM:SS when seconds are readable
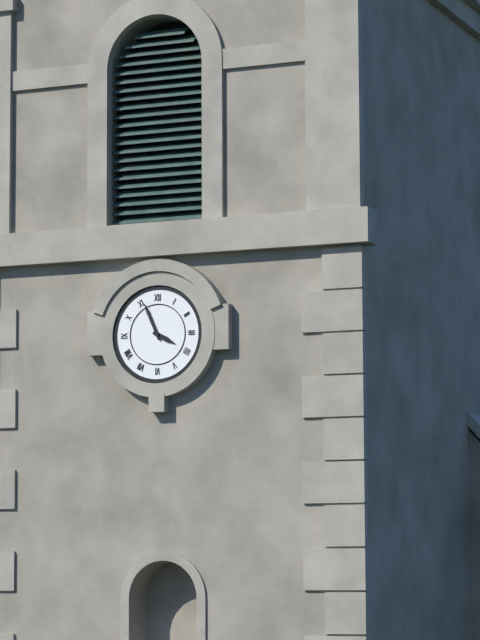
**3:56**
